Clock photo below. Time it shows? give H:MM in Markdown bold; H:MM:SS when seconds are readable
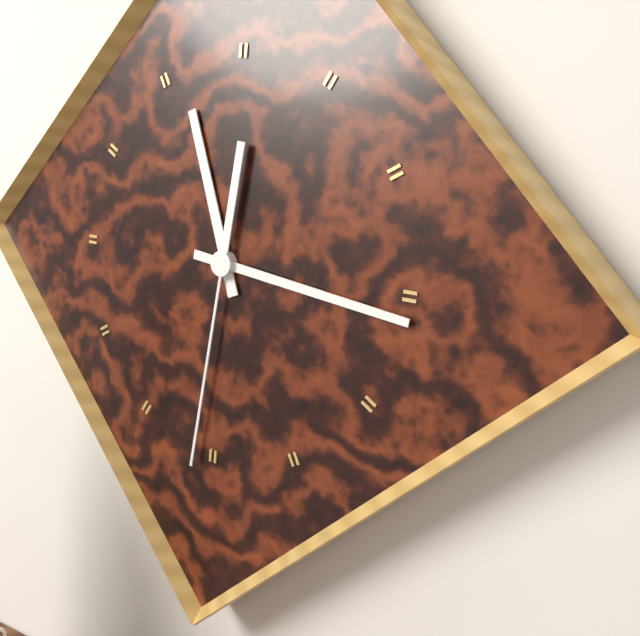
**11:16:31**
